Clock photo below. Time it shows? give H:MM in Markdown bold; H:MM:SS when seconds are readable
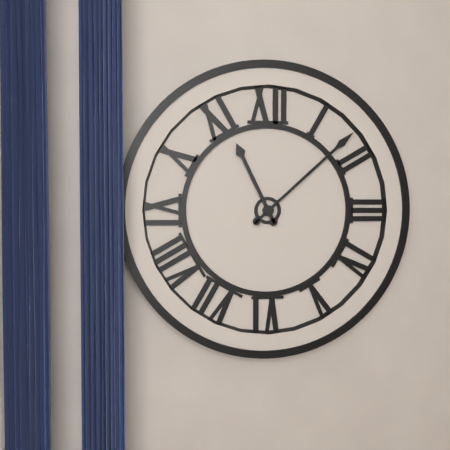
**11:08**
